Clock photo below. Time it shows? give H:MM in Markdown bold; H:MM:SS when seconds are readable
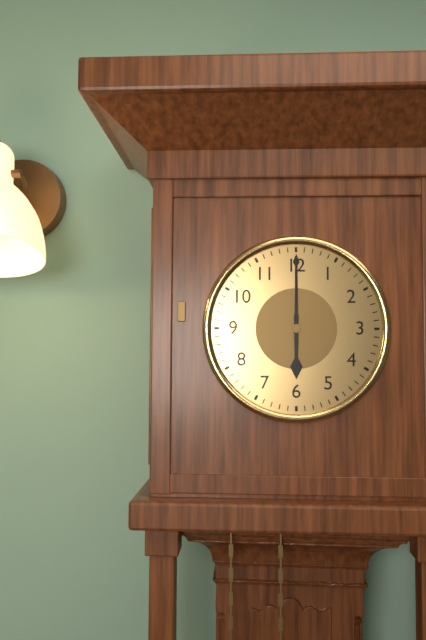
**6:00**
